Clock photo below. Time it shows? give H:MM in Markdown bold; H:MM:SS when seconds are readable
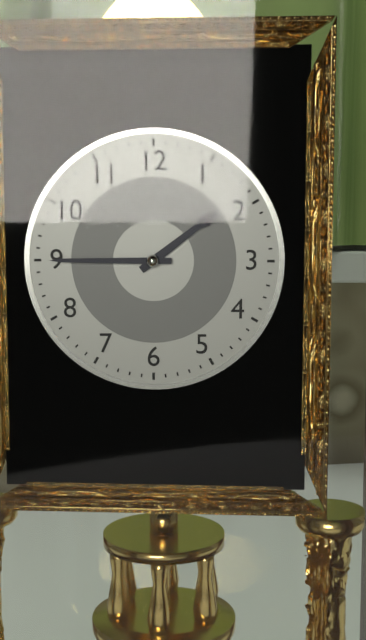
**1:45**
